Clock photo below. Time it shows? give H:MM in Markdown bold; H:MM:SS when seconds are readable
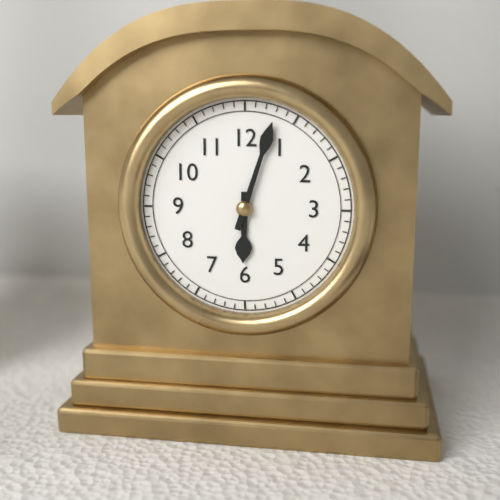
**6:03**
